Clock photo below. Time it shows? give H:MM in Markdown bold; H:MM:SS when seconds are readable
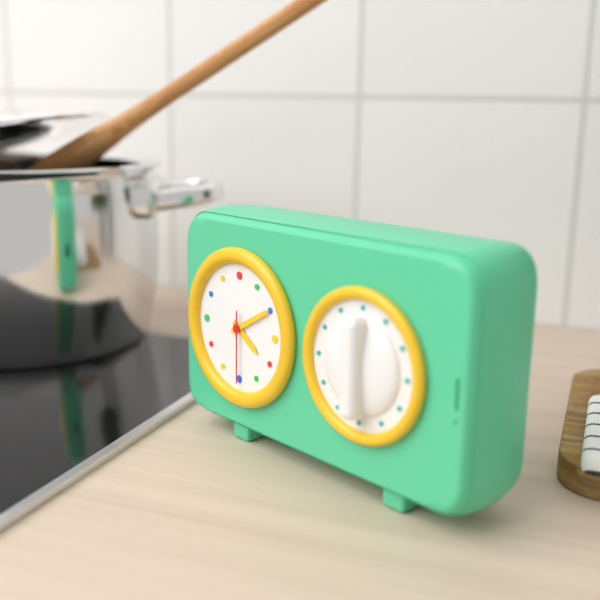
**4:10:30**
